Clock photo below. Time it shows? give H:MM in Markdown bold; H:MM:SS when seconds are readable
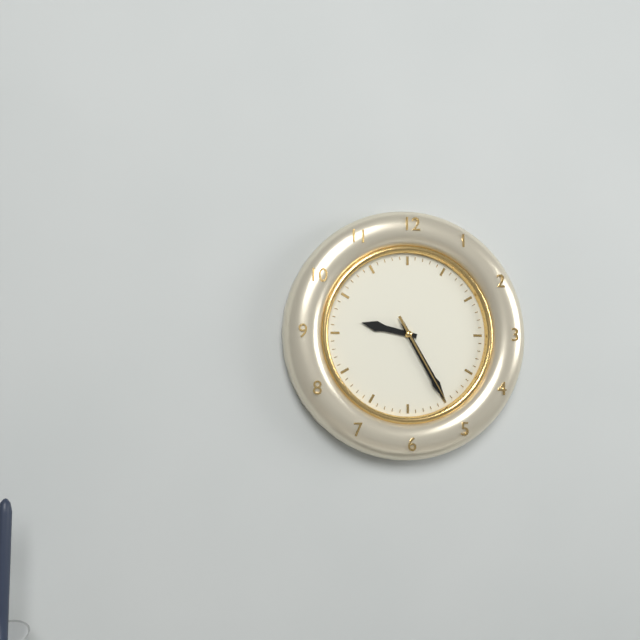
**9:25:25**
